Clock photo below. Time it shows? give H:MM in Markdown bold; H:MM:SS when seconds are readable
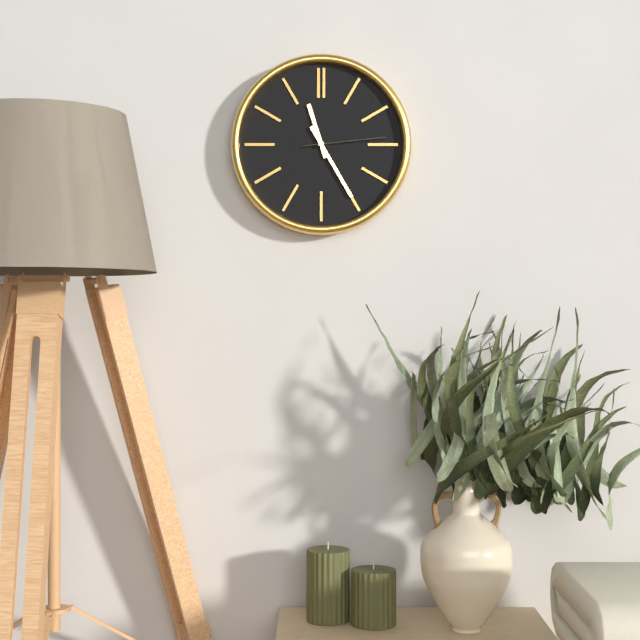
**11:25:14**
